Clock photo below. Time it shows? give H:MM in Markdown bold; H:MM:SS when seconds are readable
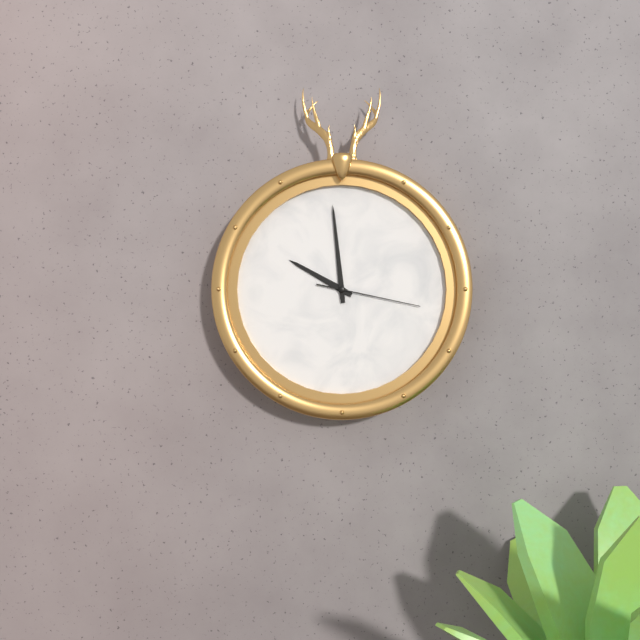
**9:59:17**
